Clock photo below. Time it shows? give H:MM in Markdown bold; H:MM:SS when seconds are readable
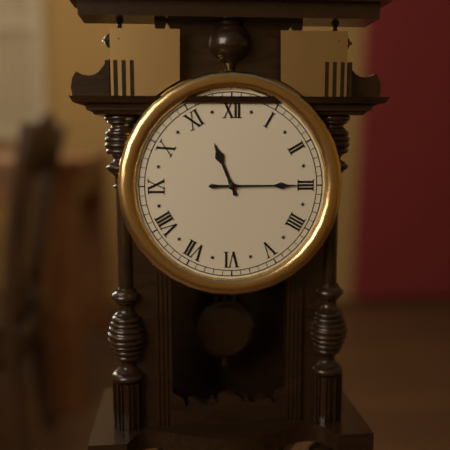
**11:15**
